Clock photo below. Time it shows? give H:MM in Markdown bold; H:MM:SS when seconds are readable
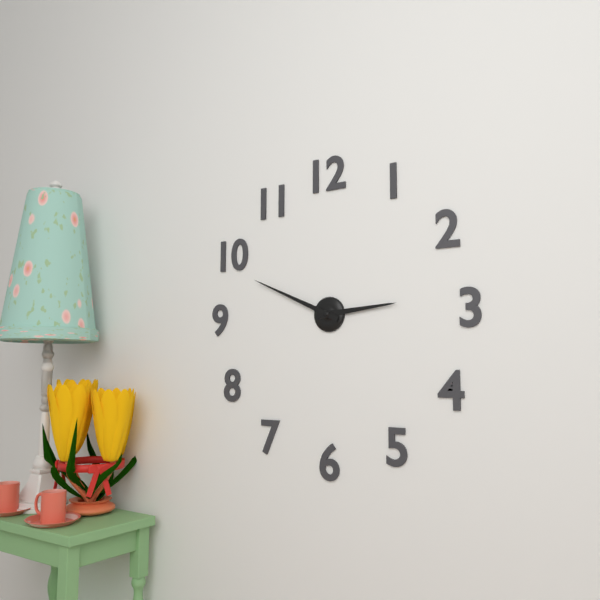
**2:49**
